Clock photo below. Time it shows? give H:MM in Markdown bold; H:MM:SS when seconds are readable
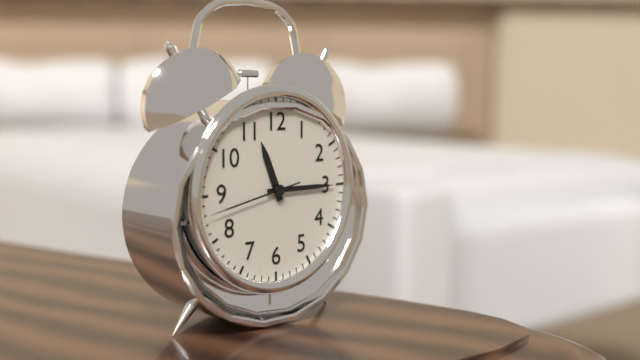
**11:15:43**
